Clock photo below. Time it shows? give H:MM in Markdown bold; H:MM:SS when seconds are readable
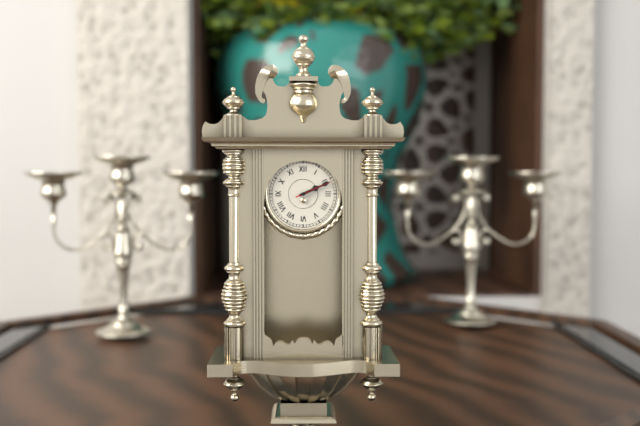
**2:11**
